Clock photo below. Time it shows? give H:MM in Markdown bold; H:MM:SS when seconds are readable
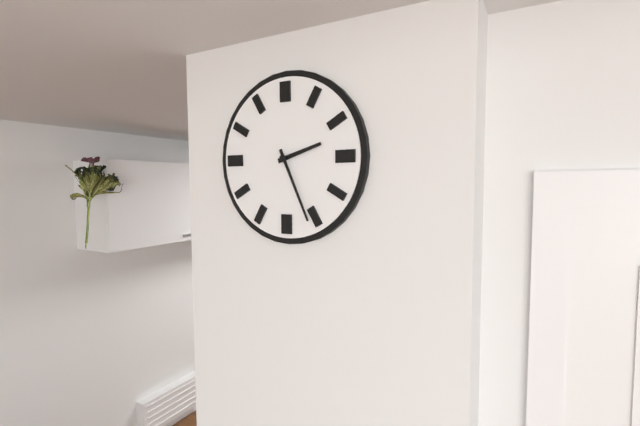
**2:26**
